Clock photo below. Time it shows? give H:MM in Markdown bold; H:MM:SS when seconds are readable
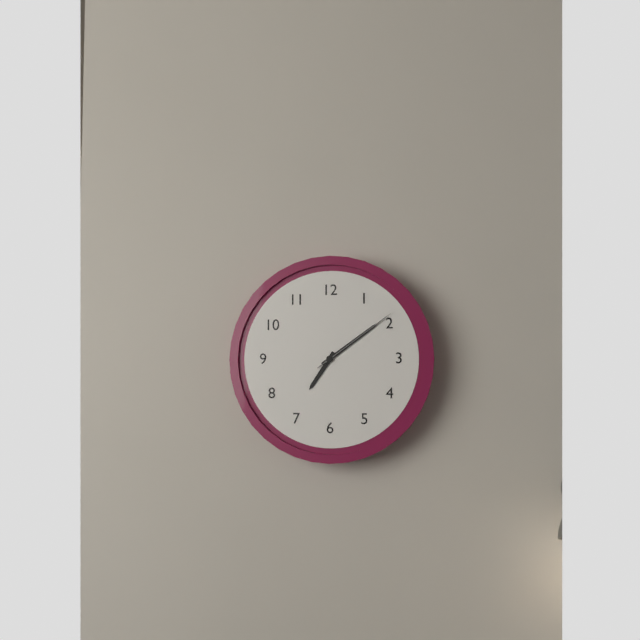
**7:09:09**
